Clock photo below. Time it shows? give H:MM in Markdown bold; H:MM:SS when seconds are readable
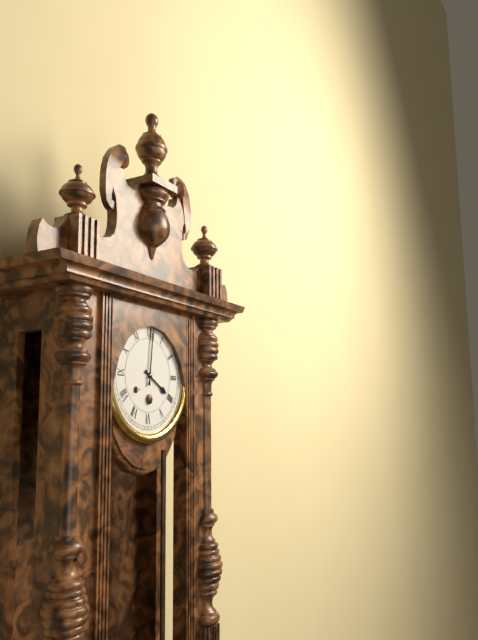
**4:01**
